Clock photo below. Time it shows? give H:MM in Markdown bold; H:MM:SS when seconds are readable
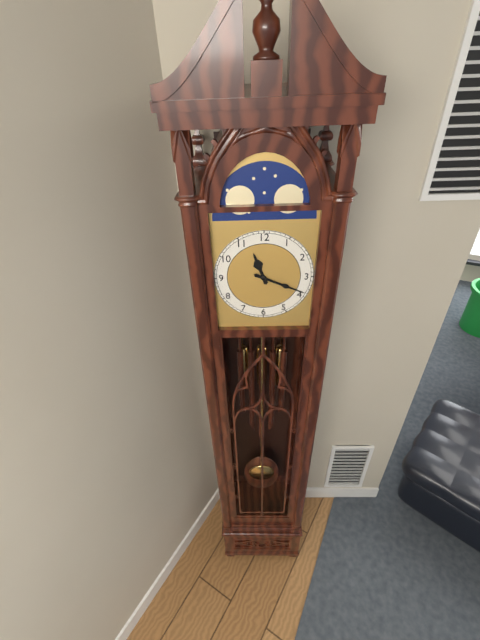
**11:19**
